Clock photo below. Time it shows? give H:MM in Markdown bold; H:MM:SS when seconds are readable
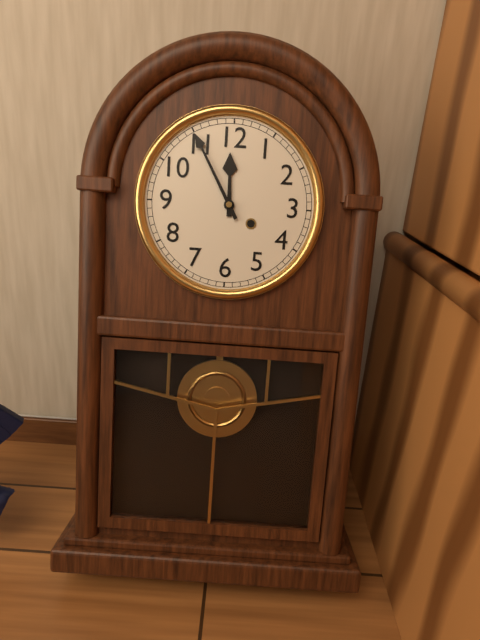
**11:55**
